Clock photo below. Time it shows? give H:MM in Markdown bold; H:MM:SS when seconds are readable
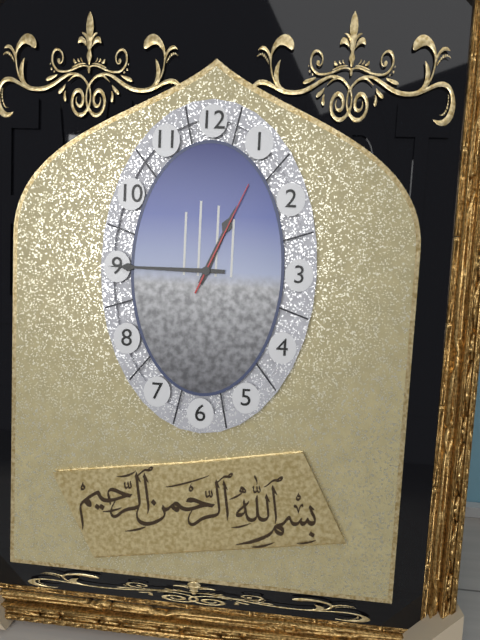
**12:45:04**
